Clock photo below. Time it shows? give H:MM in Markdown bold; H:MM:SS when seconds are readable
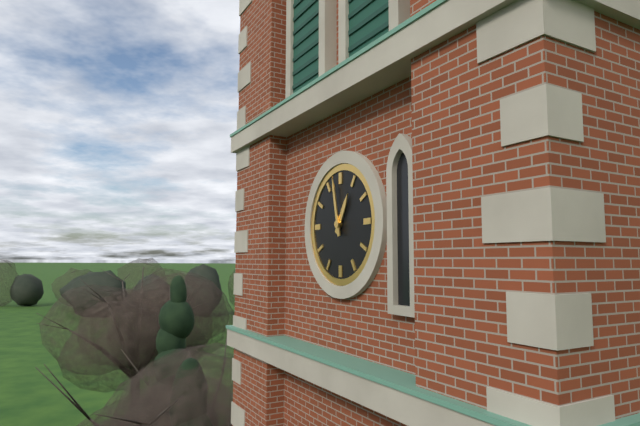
**12:58**
